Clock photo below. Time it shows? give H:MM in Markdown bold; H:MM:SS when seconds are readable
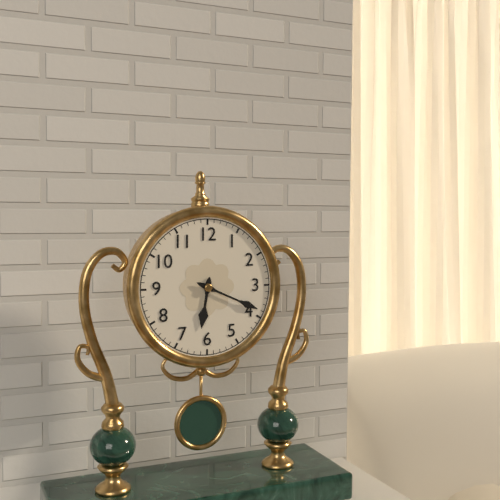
**6:19**
